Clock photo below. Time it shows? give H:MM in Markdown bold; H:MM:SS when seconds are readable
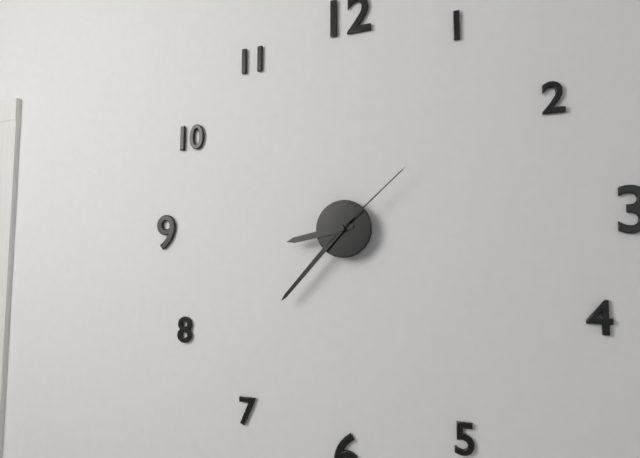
**8:37:08**
